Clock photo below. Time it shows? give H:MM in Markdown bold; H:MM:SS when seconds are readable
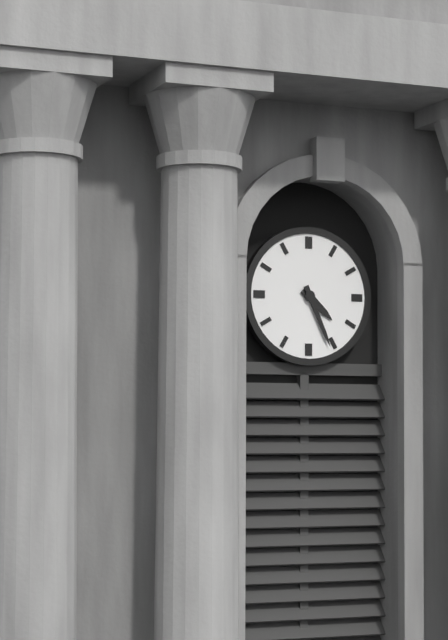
**4:26**
